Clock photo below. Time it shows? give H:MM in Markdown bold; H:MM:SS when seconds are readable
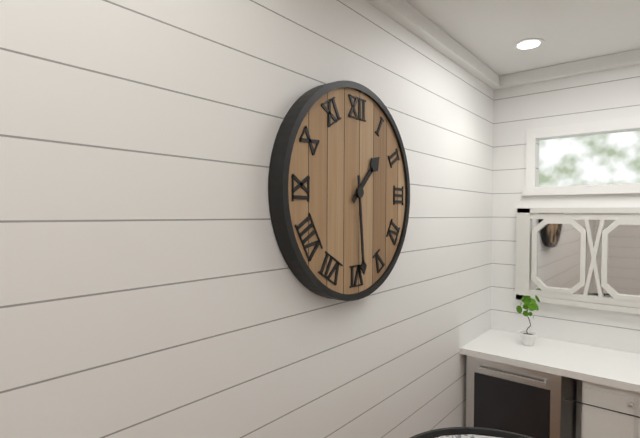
**1:29**
